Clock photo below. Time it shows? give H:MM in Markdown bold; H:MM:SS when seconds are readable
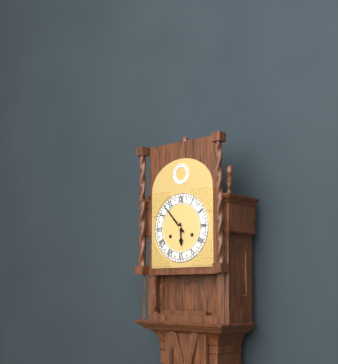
**5:53**
